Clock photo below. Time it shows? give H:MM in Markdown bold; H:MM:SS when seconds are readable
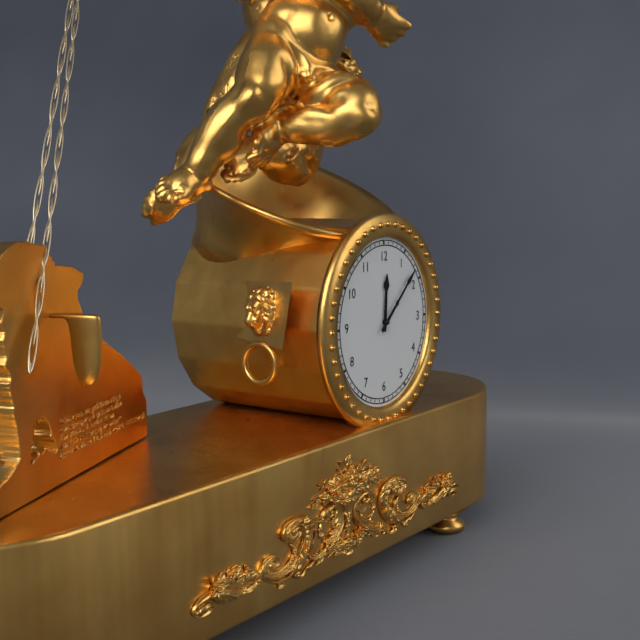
**12:08**
